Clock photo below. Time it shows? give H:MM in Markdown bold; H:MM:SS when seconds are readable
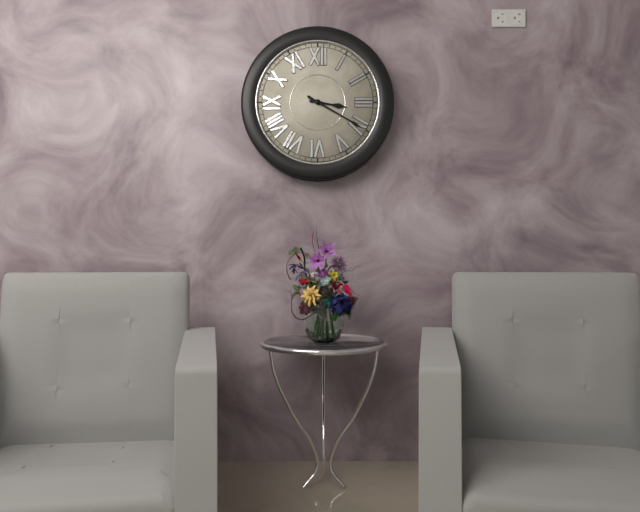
**3:20**
